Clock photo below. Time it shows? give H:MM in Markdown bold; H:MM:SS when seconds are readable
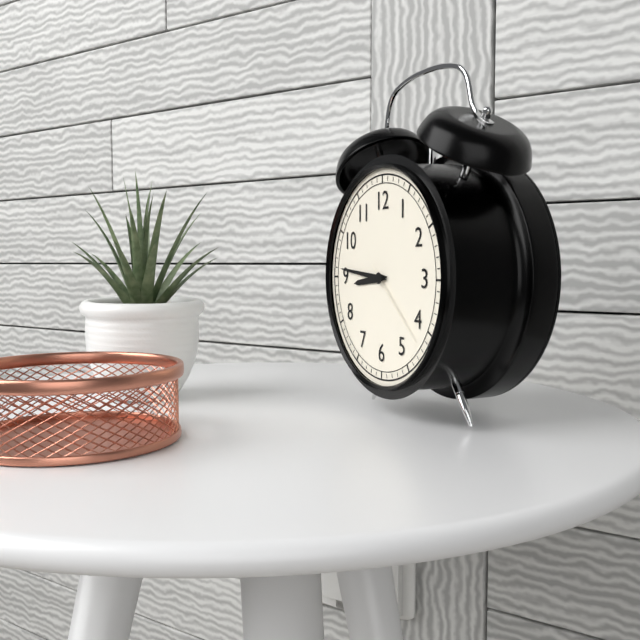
**8:46:22**
